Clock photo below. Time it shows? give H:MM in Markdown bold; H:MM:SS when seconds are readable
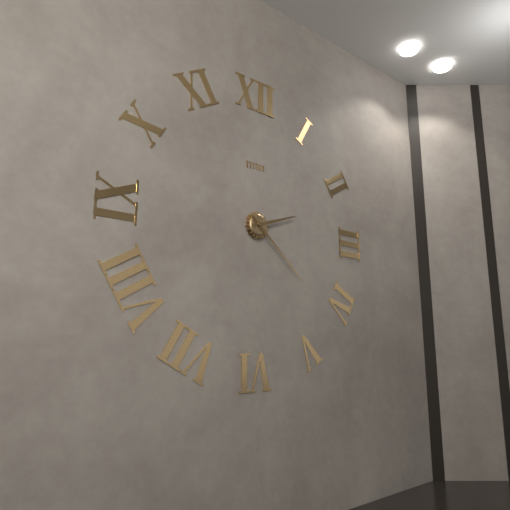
**2:22**
